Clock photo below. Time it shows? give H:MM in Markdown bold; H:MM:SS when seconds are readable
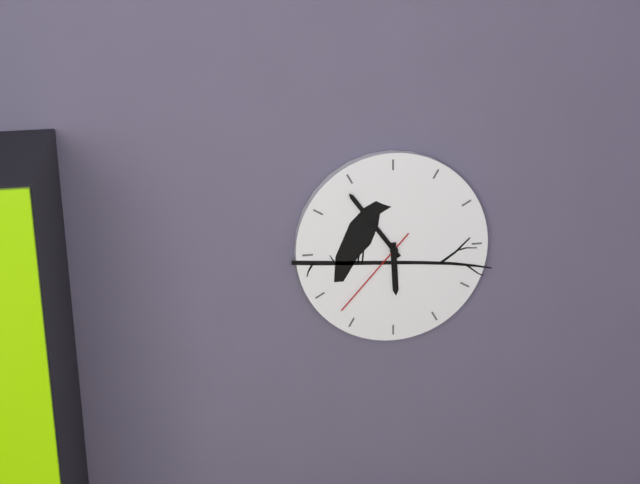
**5:54:37**
